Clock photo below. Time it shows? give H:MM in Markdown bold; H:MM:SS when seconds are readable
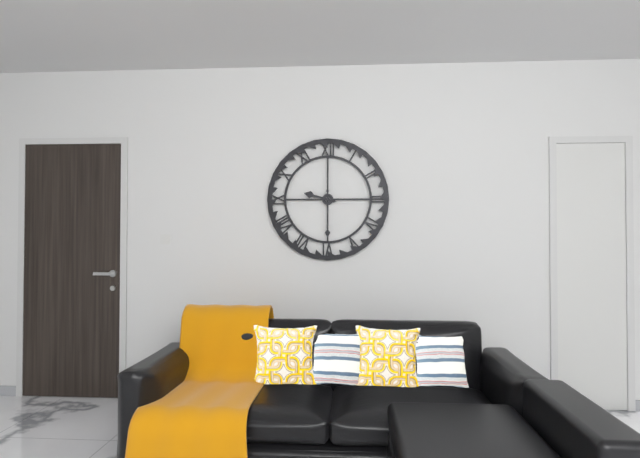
**9:30**
